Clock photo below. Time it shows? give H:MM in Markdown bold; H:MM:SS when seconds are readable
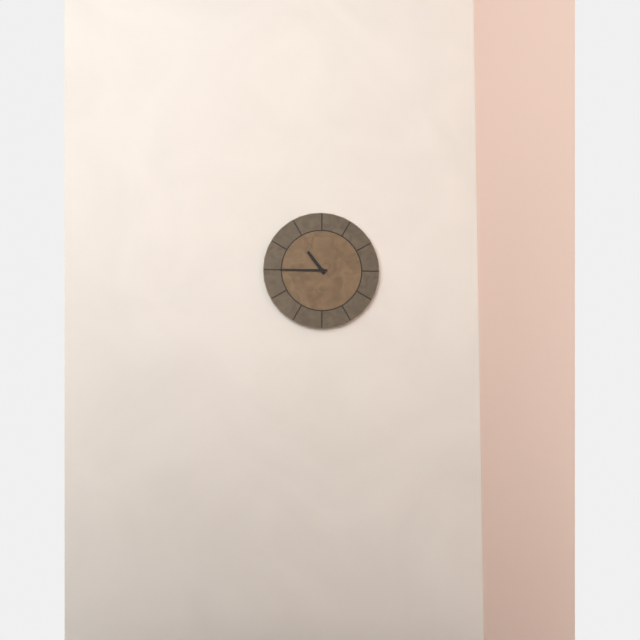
**10:45**
